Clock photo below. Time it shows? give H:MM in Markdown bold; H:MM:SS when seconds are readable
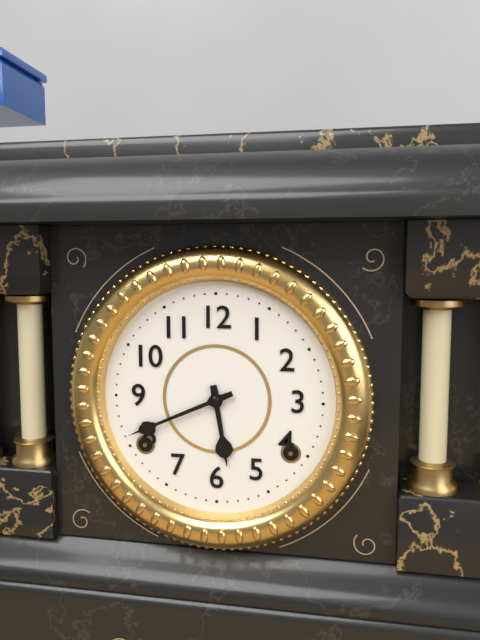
**5:41**
